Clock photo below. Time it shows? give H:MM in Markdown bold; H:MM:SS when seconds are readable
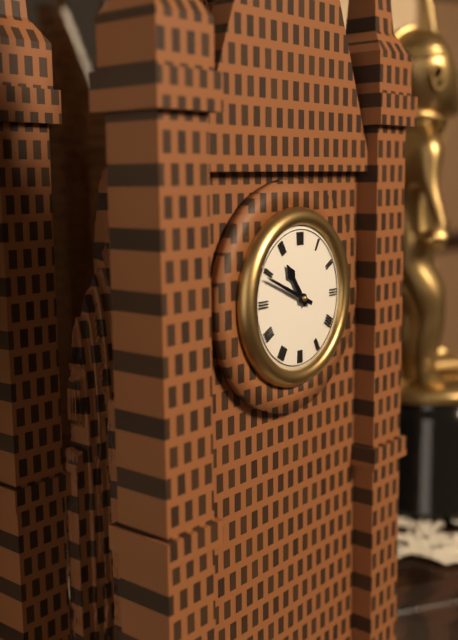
**10:49**
